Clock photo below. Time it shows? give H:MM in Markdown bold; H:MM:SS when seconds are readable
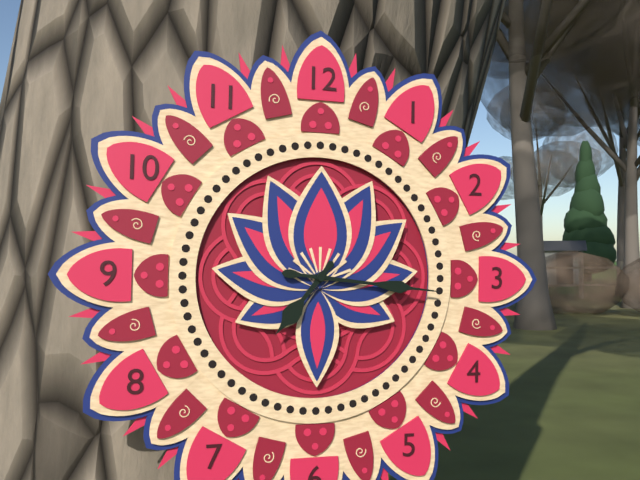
**7:16**
